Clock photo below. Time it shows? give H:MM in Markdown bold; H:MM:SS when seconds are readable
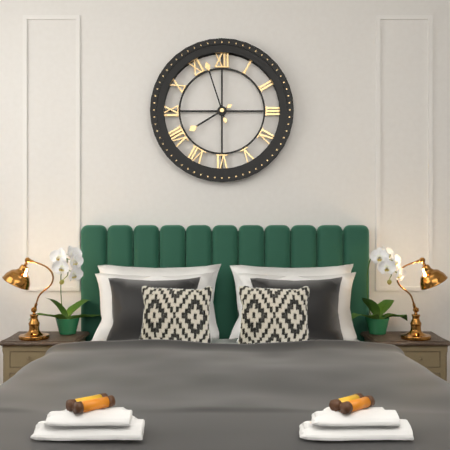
**7:57**
